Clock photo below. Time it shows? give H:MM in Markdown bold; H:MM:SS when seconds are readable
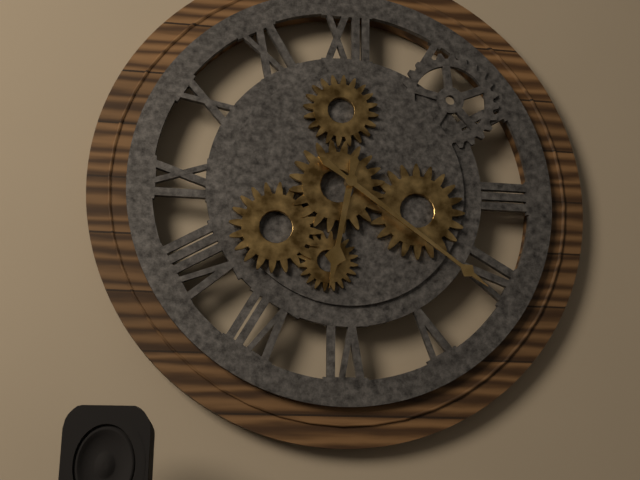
**6:21**
